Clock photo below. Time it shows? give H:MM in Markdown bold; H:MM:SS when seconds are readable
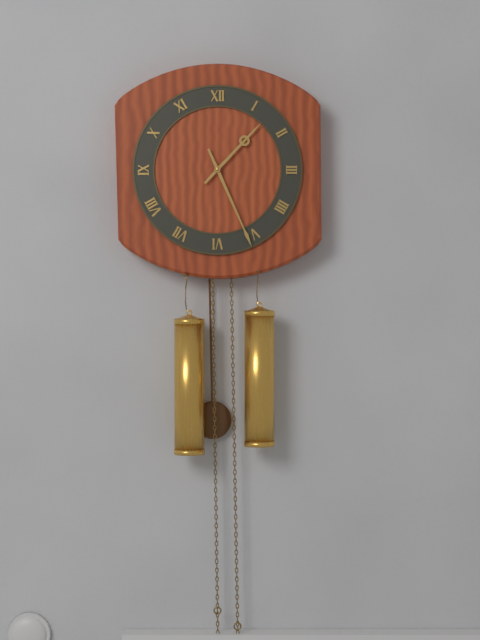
**1:26**
